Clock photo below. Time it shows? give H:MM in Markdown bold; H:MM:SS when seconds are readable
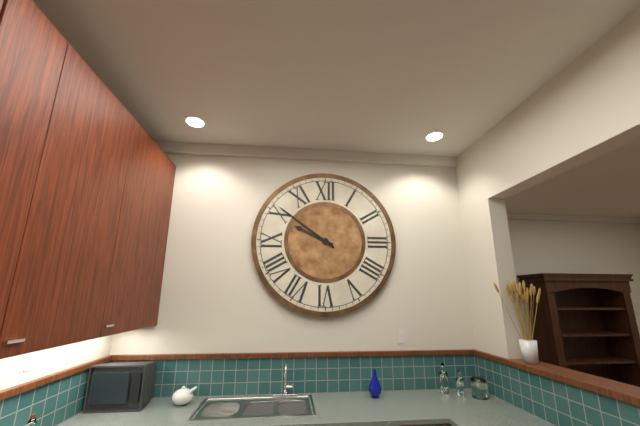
**9:51**
